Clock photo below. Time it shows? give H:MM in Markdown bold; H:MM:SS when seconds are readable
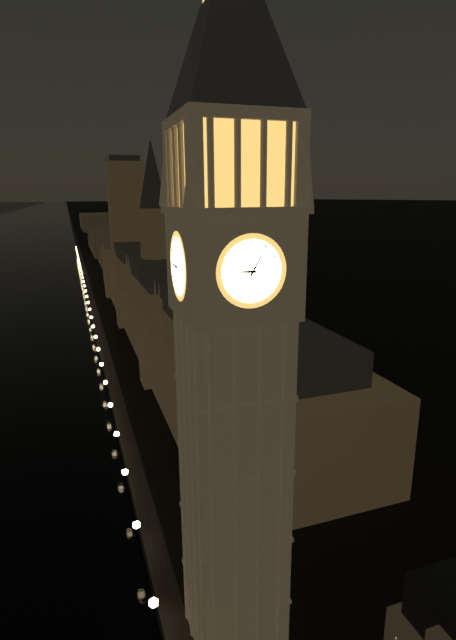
**9:05**
